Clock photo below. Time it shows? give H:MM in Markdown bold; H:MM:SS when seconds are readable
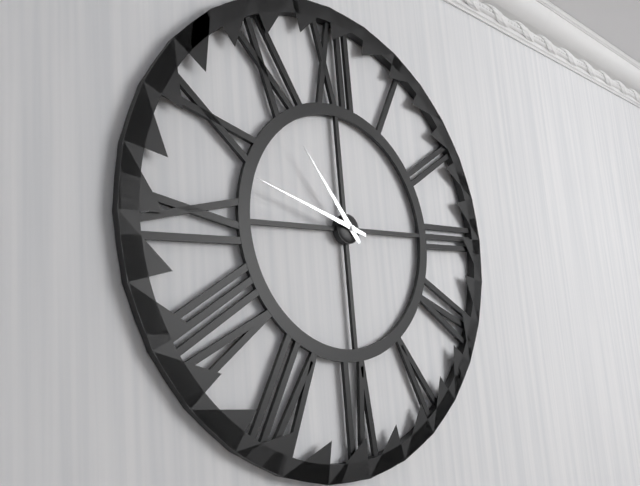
**10:48**
